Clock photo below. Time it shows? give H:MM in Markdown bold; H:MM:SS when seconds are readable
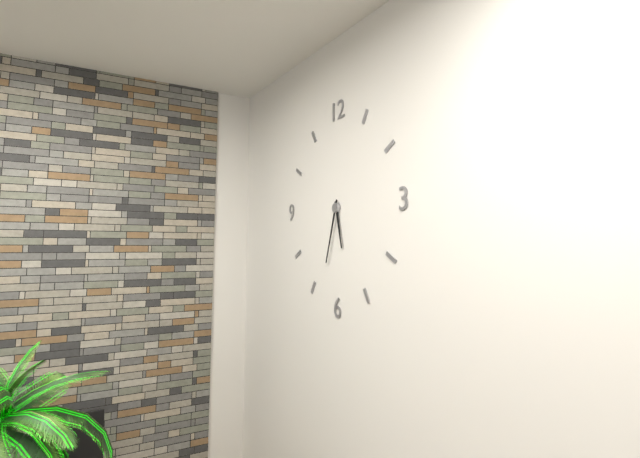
**5:33**
